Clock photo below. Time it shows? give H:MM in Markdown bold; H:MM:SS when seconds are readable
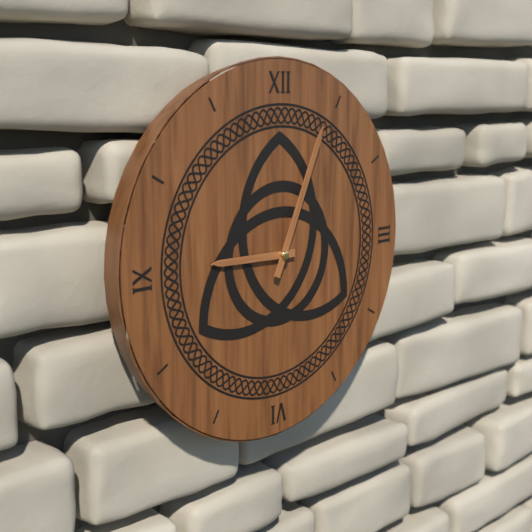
**9:04**
